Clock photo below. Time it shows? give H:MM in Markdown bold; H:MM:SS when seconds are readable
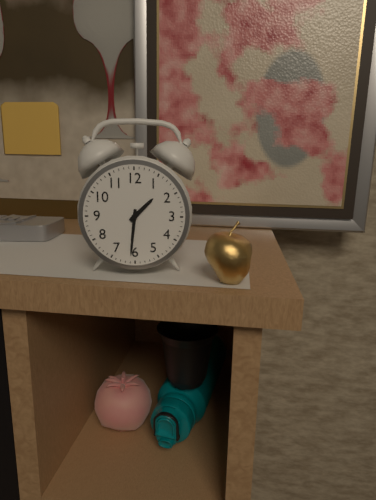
**1:31**
